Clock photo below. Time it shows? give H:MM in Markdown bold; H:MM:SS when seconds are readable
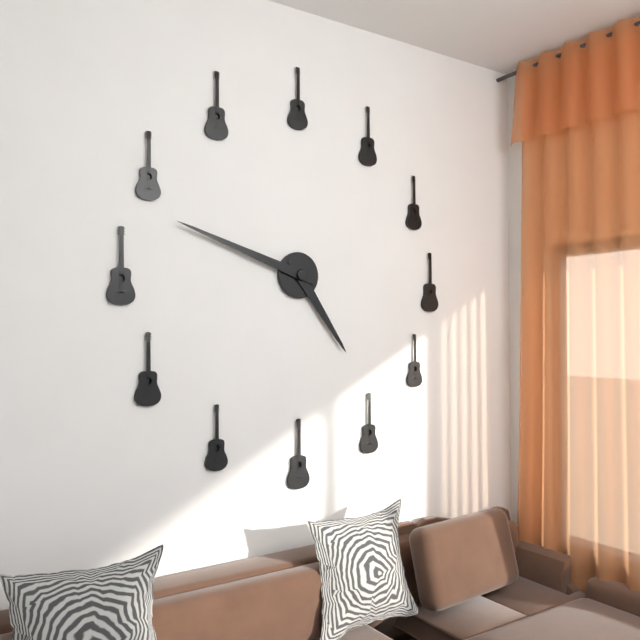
**4:48**
